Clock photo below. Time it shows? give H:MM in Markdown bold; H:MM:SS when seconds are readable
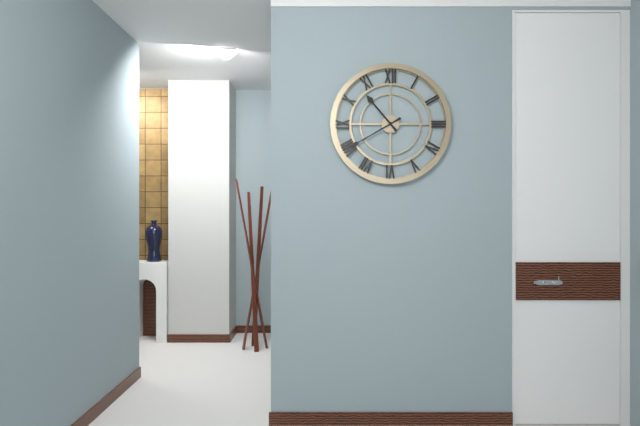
**10:40**
